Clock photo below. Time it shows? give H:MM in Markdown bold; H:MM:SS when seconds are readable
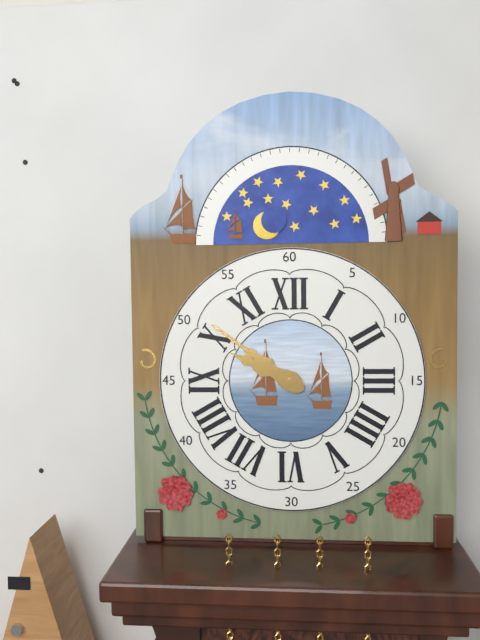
**9:51**
